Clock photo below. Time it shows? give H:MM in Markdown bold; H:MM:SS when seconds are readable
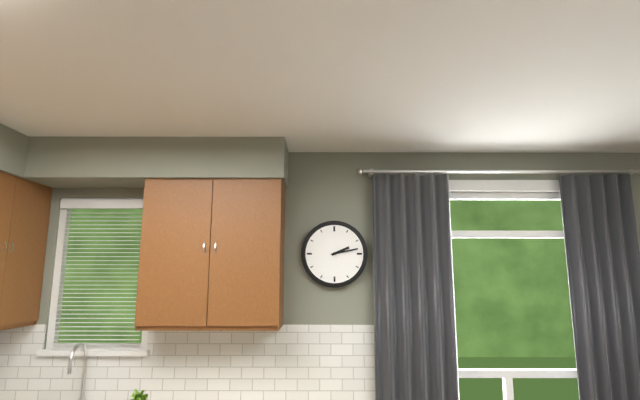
**2:13**
